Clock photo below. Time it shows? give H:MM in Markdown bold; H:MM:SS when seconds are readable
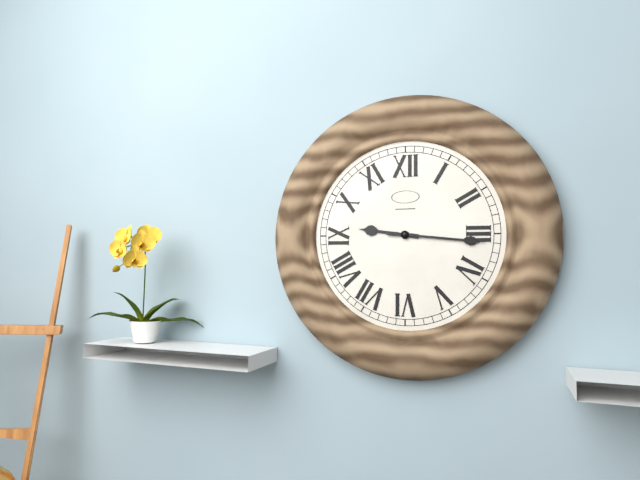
**9:16**
